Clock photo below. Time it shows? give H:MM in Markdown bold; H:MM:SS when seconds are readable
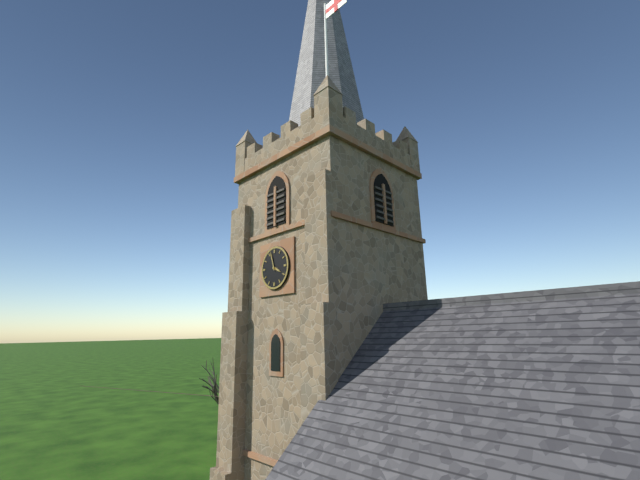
**3:57**
